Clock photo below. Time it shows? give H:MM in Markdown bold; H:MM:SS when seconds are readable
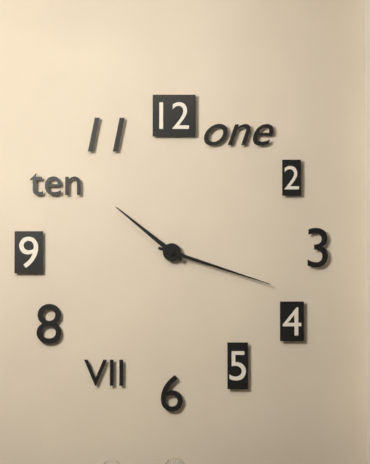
**10:18**
